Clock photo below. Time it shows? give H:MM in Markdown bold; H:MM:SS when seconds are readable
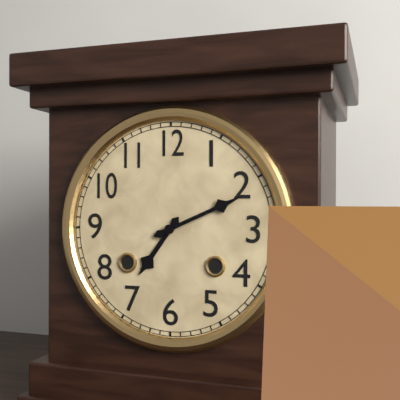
**7:11**
